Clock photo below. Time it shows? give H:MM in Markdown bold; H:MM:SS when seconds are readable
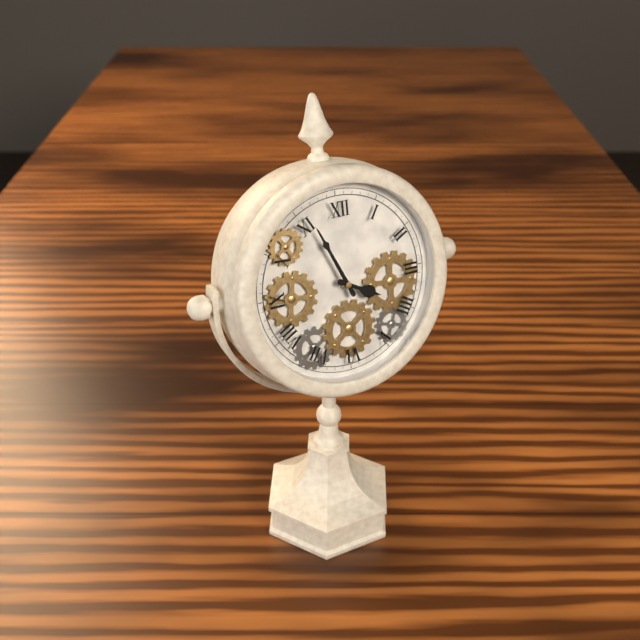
**3:56**
